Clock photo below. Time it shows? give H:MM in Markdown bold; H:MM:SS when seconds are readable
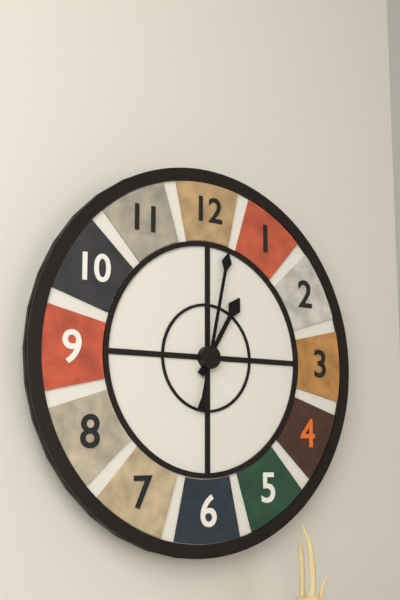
**1:02**
